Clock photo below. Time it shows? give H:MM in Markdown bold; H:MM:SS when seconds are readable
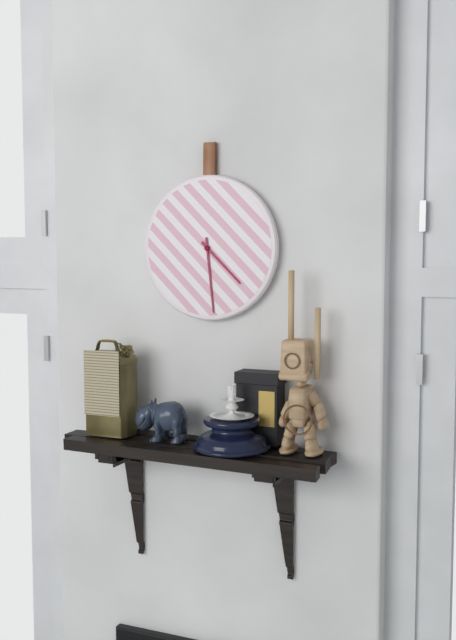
**4:29**
